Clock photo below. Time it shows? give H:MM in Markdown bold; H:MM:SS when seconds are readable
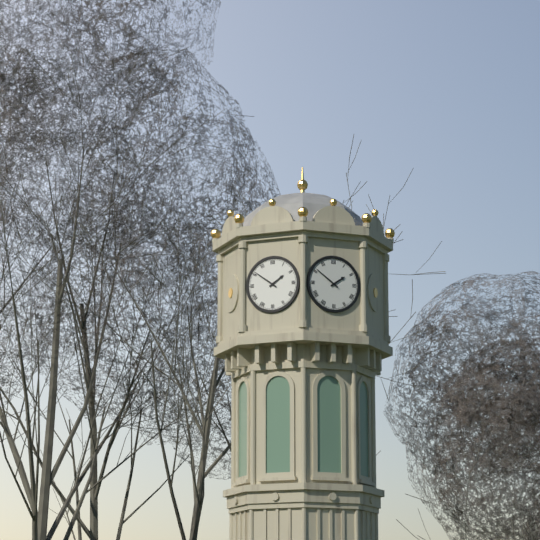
**1:51**
